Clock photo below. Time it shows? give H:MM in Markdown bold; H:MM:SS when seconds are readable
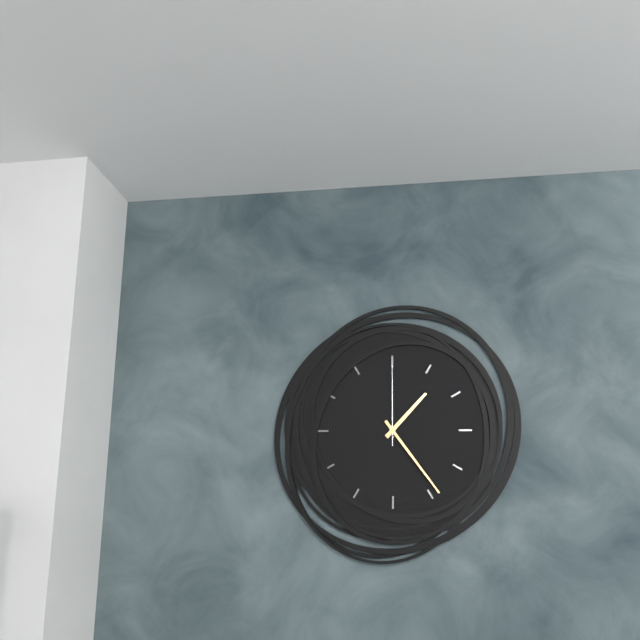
**1:24:00**
